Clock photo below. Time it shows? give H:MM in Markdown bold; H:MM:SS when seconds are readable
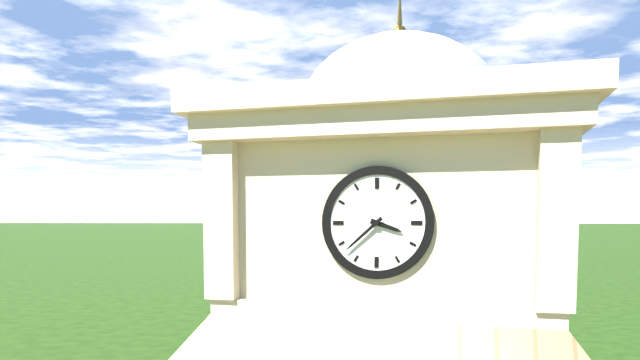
**3:38**
